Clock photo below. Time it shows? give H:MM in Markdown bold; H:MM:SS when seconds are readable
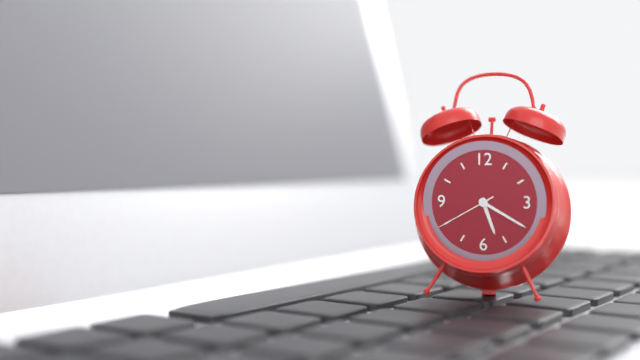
**5:20:40**
